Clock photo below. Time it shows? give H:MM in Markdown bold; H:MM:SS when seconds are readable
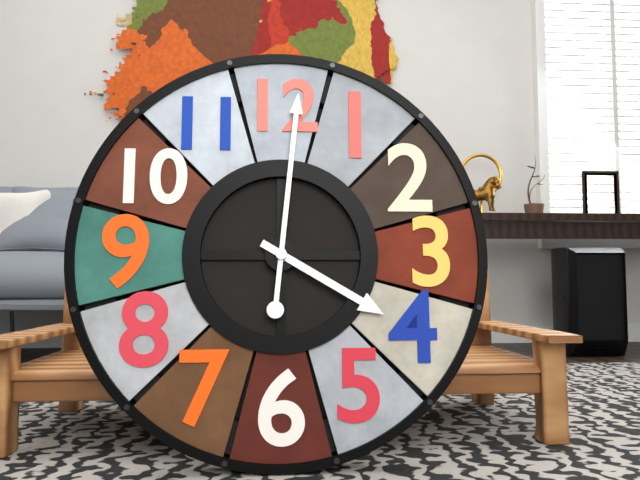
**4:01**
